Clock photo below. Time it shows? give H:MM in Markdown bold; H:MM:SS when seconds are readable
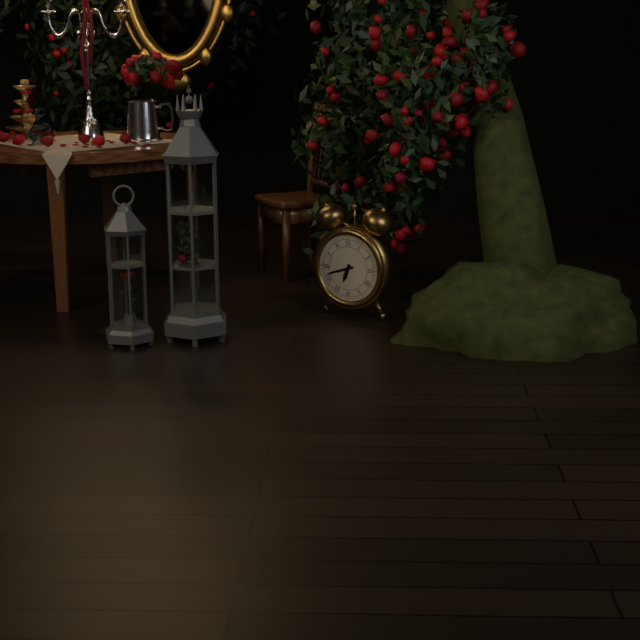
**6:42**
